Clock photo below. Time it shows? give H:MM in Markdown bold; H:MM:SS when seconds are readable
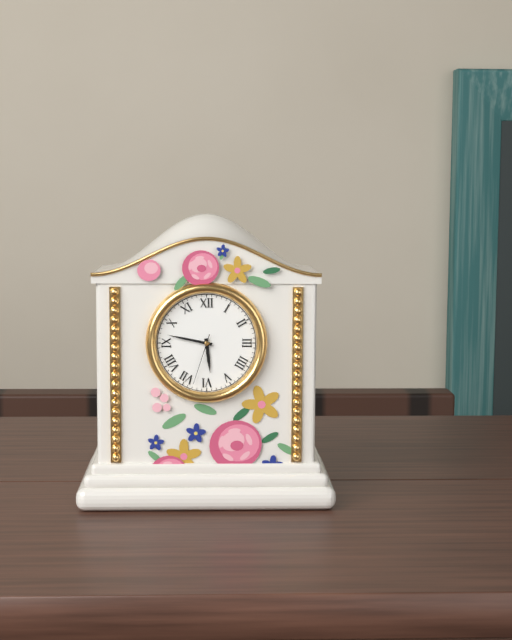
**5:47:33**
